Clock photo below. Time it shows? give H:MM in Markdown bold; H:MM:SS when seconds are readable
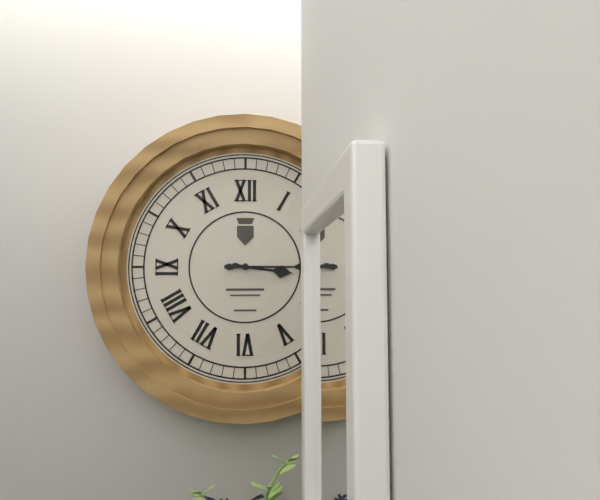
**3:15**
